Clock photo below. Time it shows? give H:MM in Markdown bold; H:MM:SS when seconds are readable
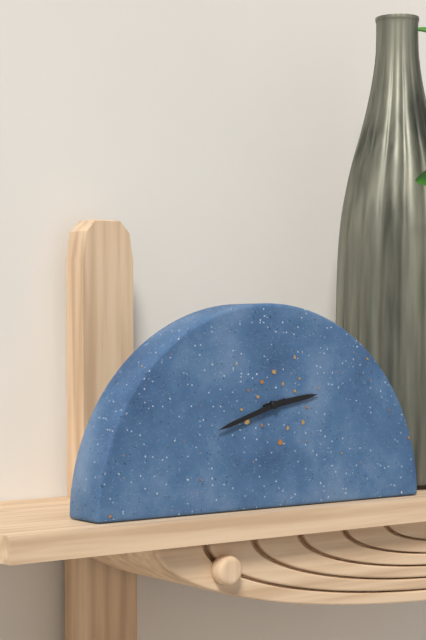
**2:42**
